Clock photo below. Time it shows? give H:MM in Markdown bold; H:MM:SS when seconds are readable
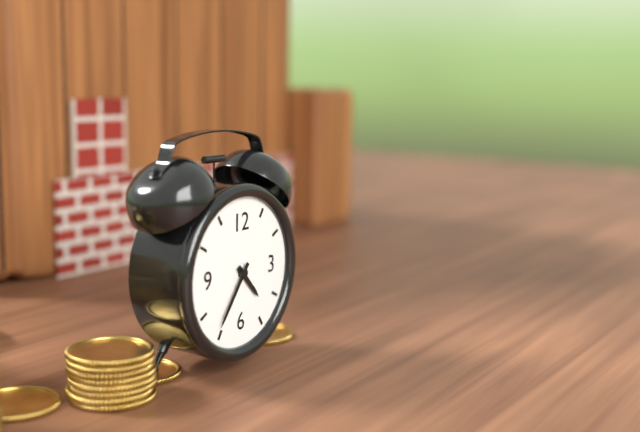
**4:36**
